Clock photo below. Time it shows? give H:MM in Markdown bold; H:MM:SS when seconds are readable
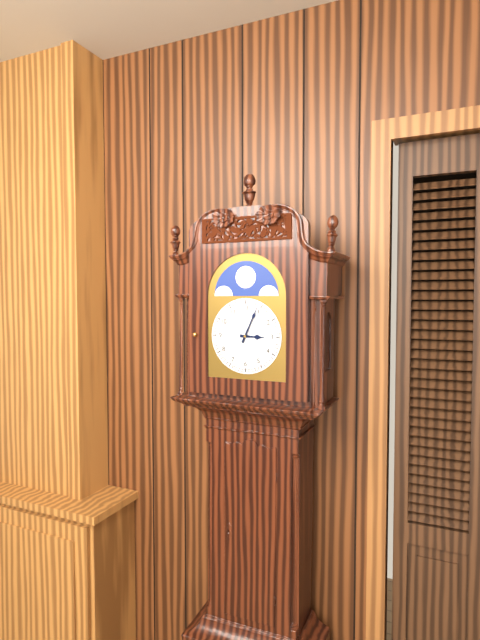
**3:04**
